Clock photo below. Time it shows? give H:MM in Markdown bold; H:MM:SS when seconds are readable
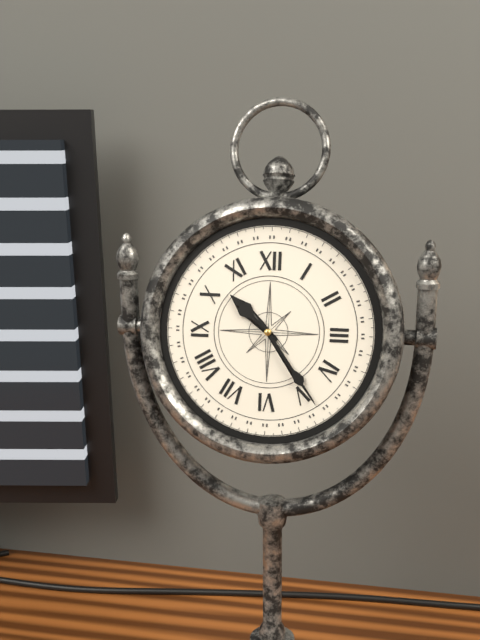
**10:24**
